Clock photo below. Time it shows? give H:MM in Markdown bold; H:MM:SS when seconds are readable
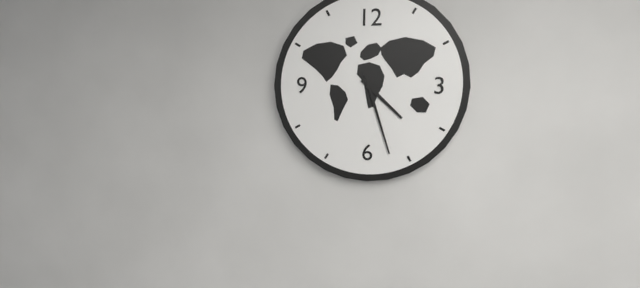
**4:27**
